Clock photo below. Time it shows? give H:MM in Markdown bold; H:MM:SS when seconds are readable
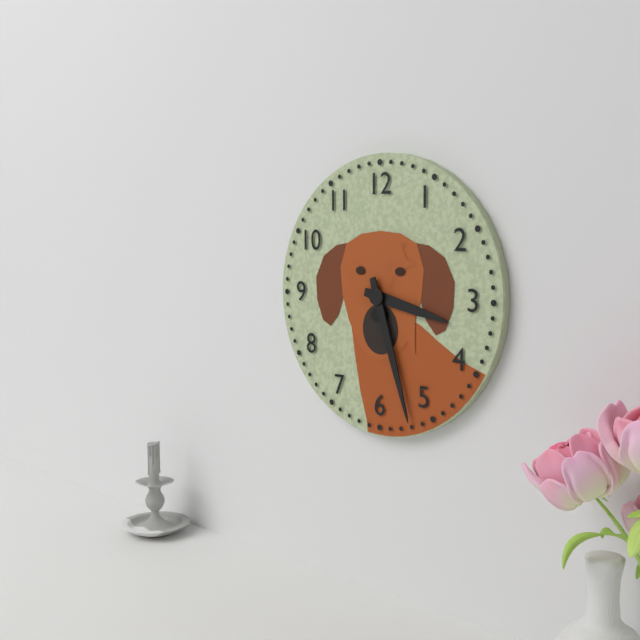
**3:27**
